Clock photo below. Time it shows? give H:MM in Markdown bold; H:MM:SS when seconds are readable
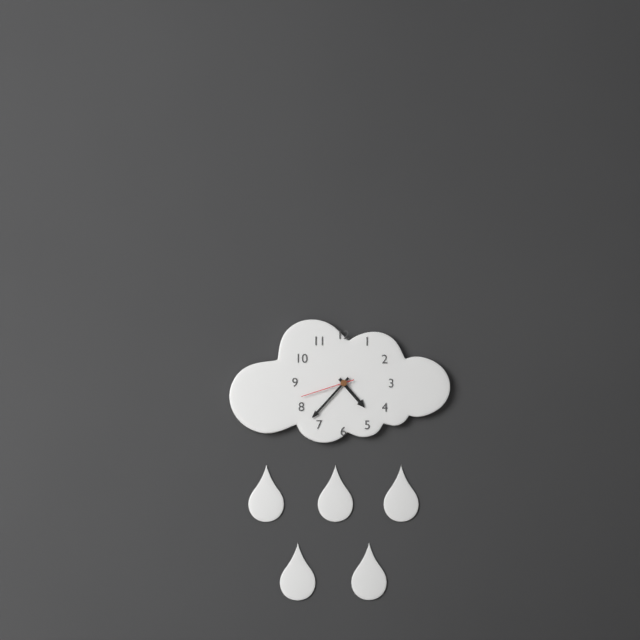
**4:37:42**
